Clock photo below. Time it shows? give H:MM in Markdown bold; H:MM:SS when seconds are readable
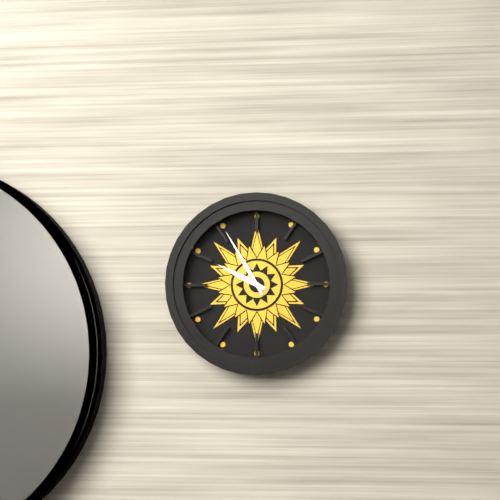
**9:55**
